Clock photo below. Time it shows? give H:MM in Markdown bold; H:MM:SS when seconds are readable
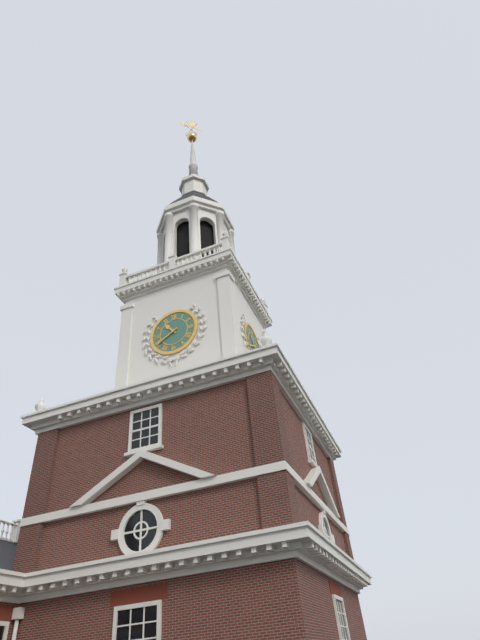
**10:40**
